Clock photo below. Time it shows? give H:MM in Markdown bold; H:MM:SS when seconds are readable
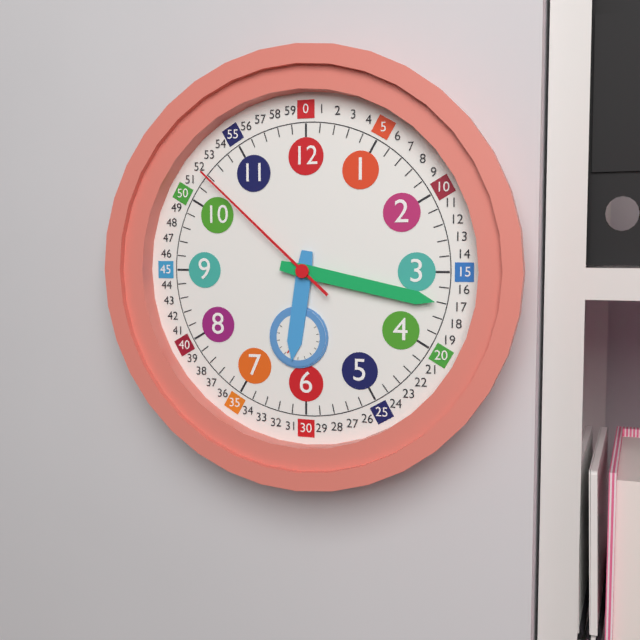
**6:17:52**
